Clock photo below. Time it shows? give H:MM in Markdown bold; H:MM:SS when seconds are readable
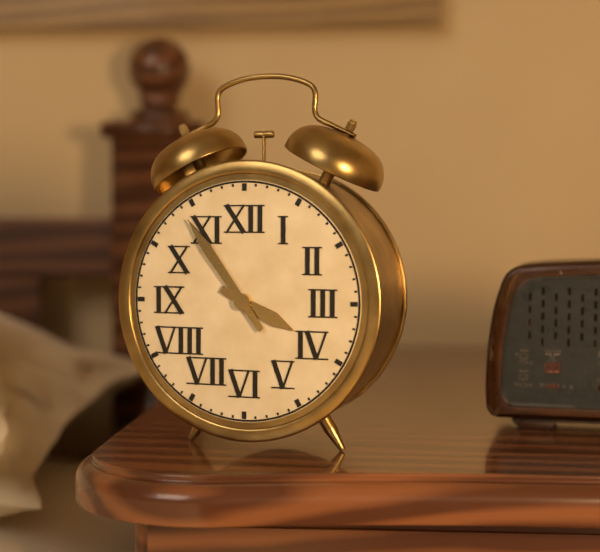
**3:54**
